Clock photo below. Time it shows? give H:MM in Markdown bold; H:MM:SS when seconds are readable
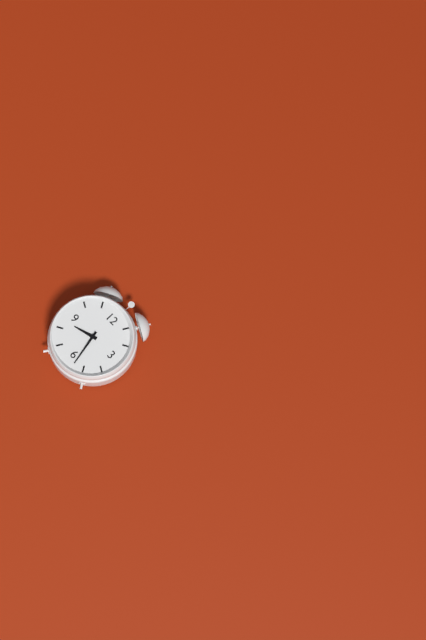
**8:28**
